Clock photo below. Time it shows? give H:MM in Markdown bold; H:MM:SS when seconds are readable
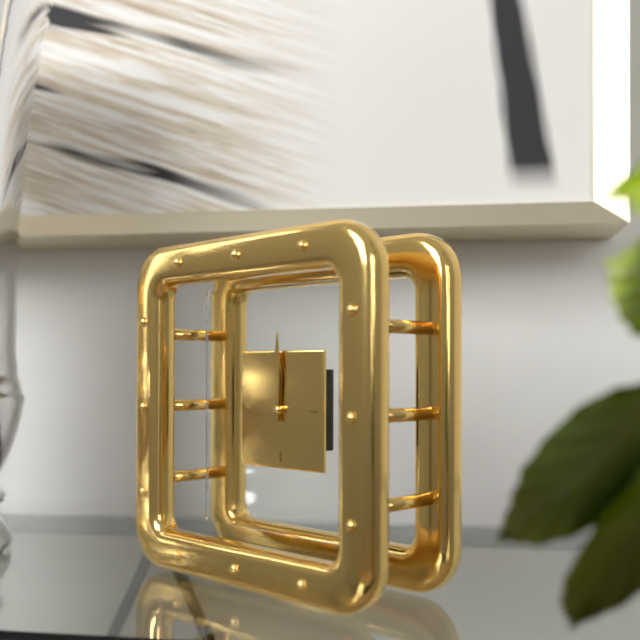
**12:00**
